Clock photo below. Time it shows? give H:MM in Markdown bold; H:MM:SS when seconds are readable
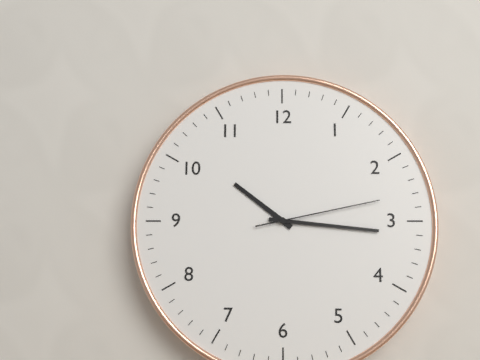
**10:16:13**
